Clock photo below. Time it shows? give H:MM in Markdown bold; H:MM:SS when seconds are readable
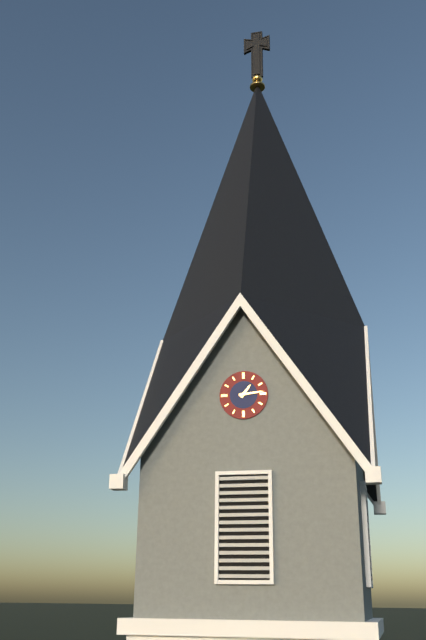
**1:14**
